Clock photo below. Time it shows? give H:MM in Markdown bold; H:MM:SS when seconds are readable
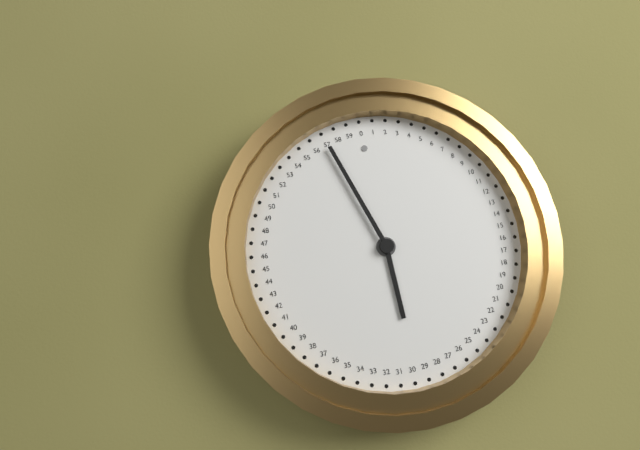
**5:57**
